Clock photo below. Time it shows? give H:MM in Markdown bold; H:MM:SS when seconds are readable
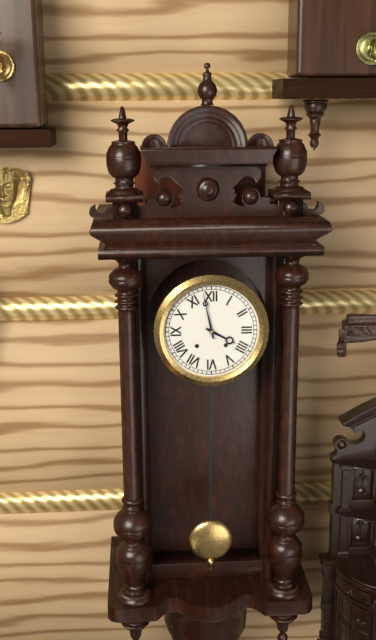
**3:58**
